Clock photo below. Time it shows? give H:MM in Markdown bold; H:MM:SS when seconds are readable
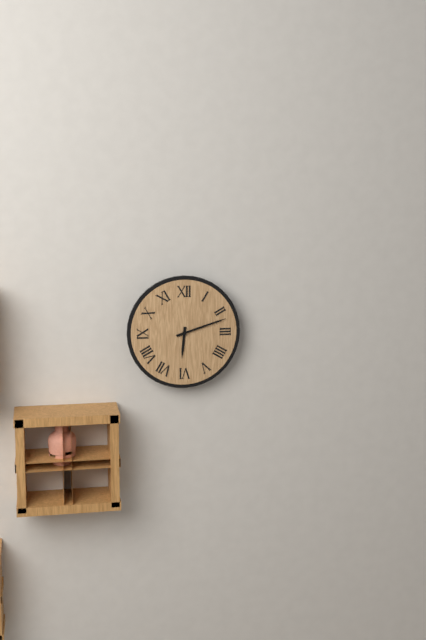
**6:12**
